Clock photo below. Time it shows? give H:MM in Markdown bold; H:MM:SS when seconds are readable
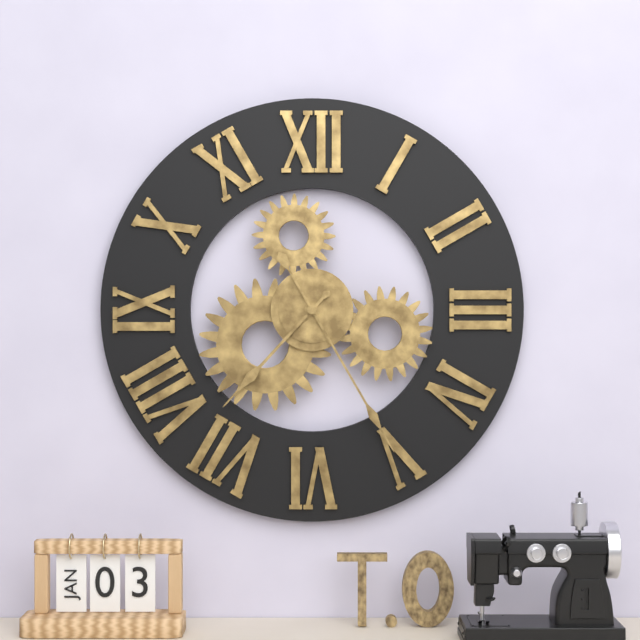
**7:25**
